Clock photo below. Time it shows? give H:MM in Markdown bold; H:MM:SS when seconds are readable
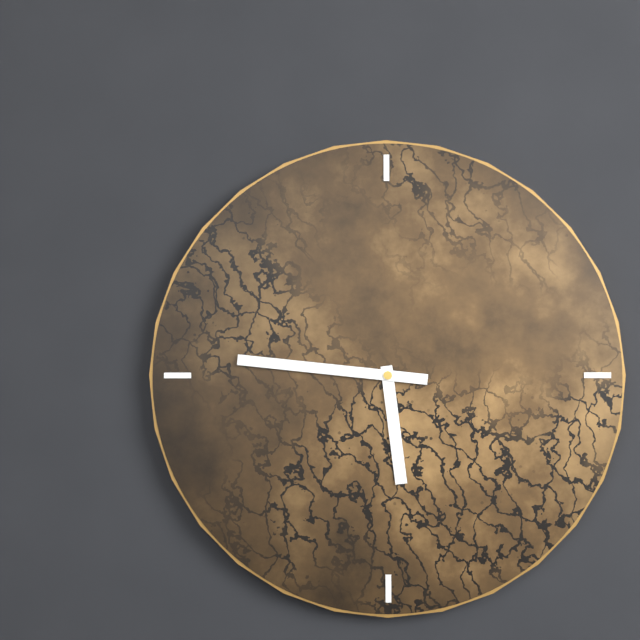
**5:46**
